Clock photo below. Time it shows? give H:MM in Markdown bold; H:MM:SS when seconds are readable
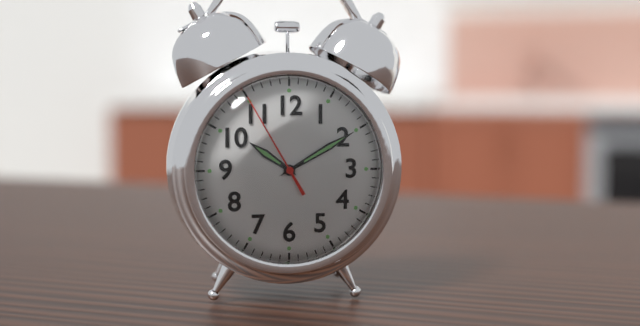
**10:10:55**
